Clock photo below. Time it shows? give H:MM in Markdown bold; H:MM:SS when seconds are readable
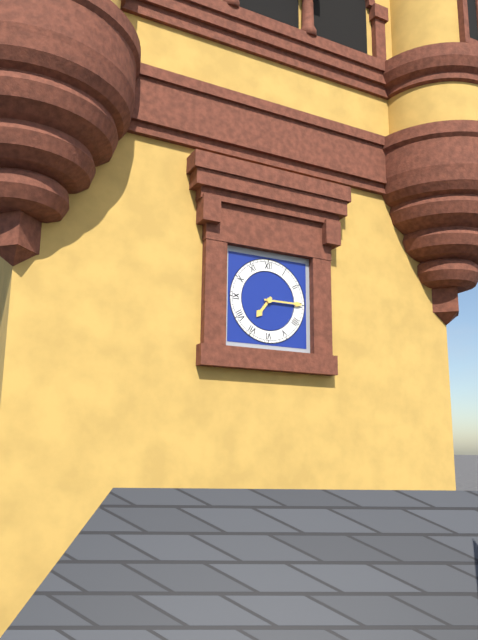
**7:15**
